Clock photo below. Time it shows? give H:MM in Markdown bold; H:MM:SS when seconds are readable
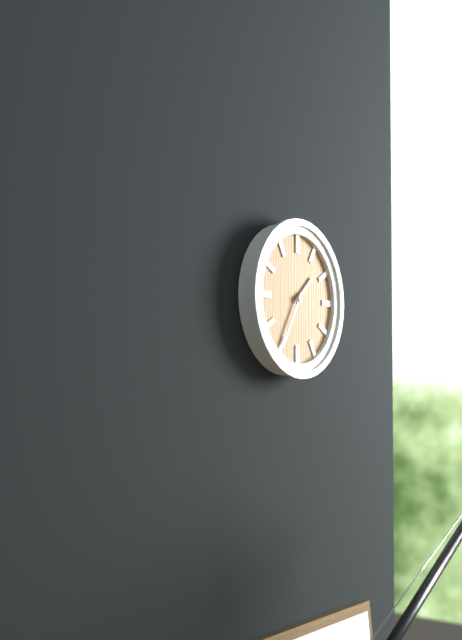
**1:35**
